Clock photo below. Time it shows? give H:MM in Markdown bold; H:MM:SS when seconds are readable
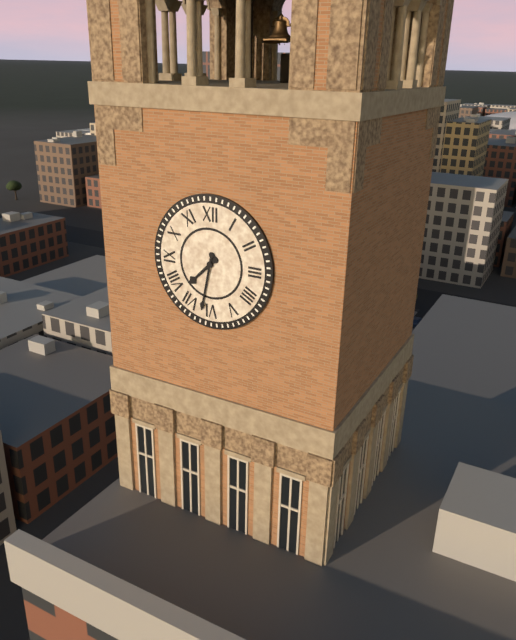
**7:32**
